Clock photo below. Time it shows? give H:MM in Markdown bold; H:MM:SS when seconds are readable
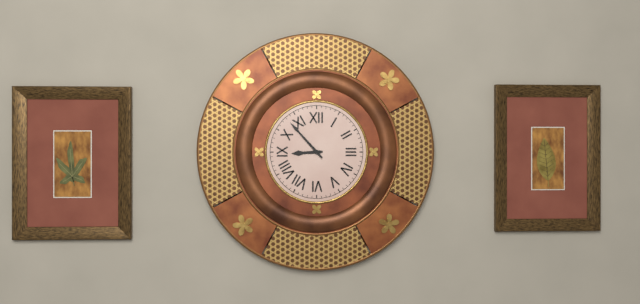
**8:53**
